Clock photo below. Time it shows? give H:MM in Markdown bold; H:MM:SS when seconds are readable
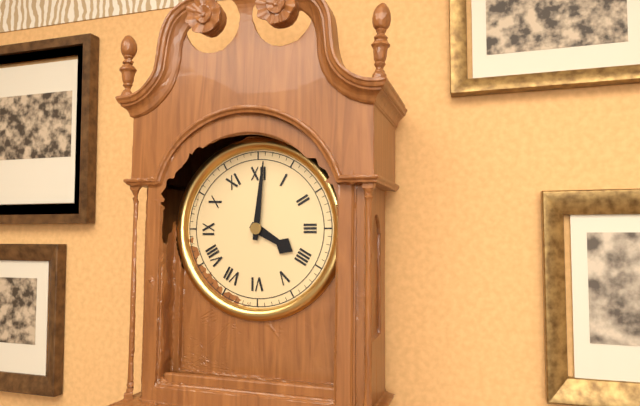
**4:01**
